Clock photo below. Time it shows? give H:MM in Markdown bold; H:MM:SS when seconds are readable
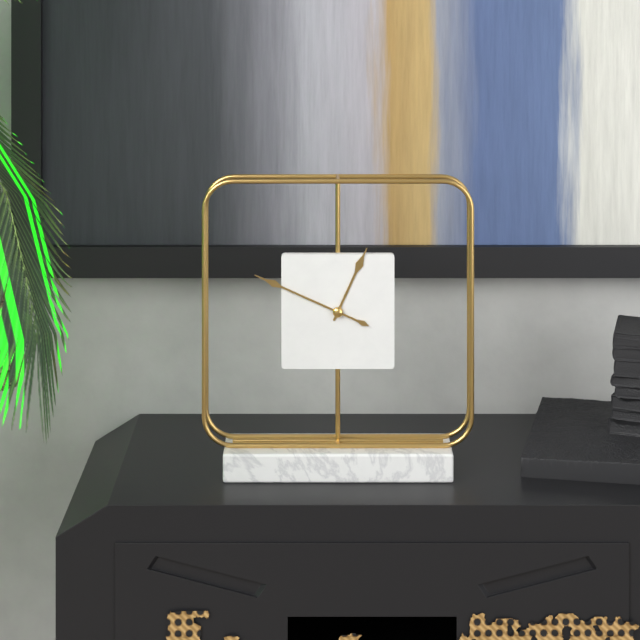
**12:49**
